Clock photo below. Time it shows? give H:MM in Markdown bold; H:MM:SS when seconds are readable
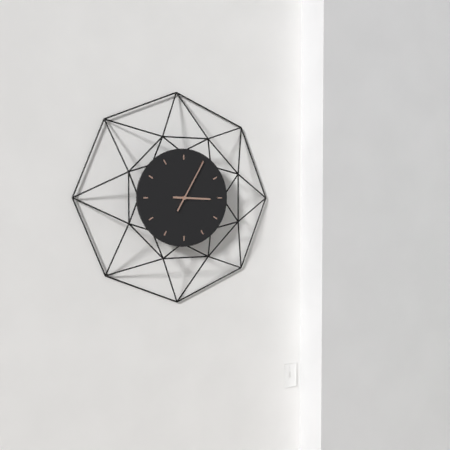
**3:05**
